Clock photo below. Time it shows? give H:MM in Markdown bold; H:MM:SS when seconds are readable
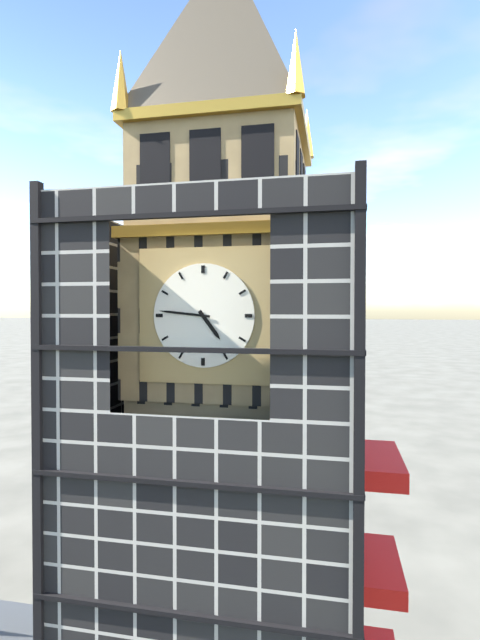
**4:46**
